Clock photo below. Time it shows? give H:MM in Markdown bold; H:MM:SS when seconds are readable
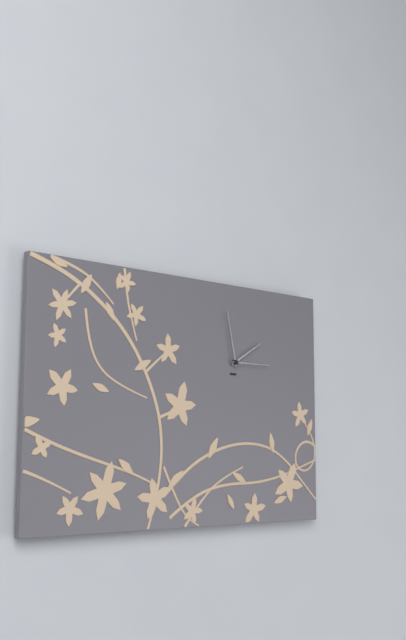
**1:58**
